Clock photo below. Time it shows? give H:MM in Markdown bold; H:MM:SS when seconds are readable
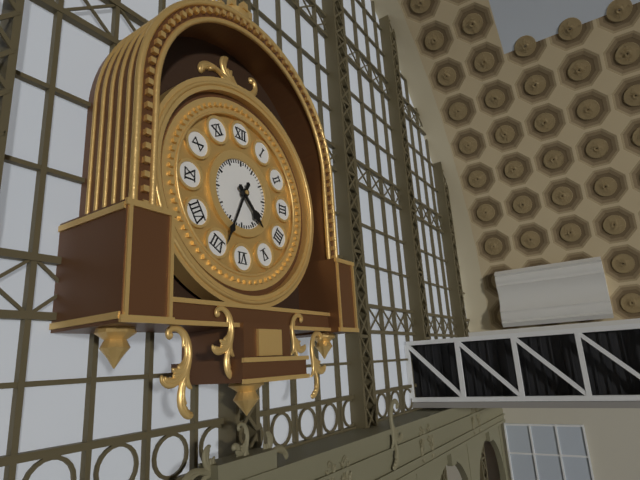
**4:34**
